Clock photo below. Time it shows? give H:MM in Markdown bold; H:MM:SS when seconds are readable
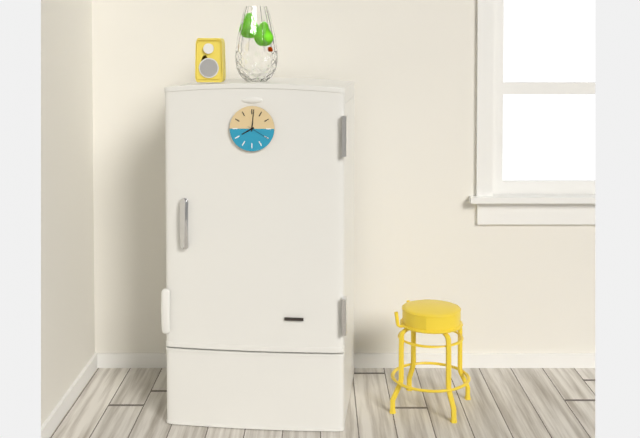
**8:01**
